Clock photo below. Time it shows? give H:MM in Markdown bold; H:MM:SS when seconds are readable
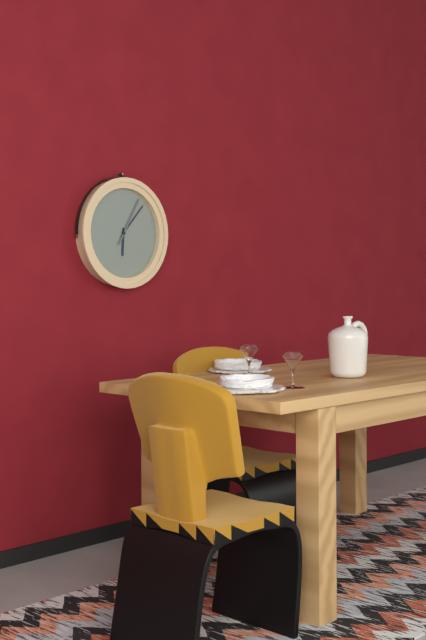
**6:07**
